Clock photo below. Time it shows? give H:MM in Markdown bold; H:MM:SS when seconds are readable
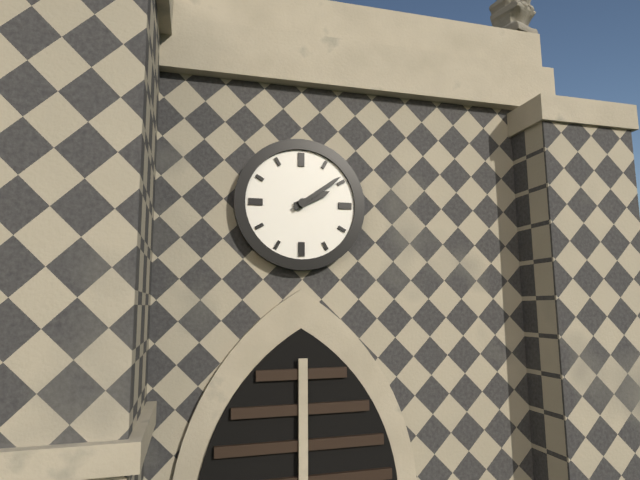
**2:09**
